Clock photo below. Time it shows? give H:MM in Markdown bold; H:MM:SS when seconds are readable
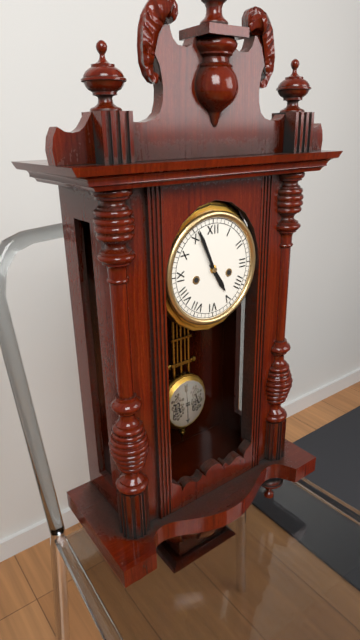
**4:56**
